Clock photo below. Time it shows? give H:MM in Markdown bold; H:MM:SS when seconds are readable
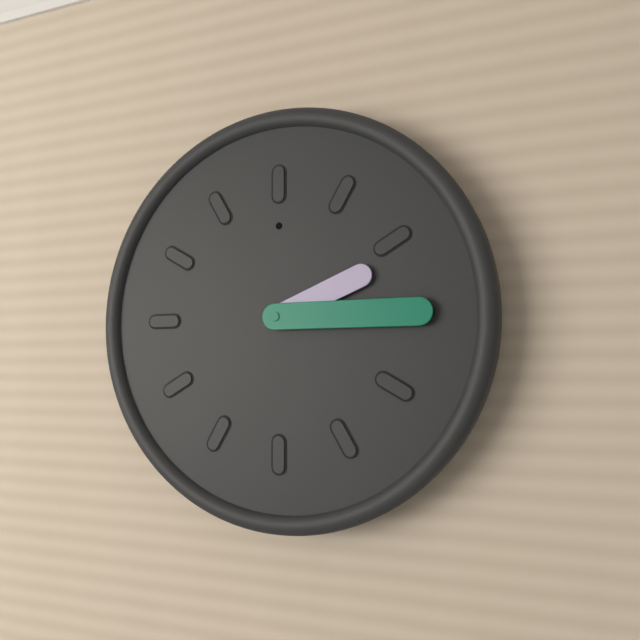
**2:15**
